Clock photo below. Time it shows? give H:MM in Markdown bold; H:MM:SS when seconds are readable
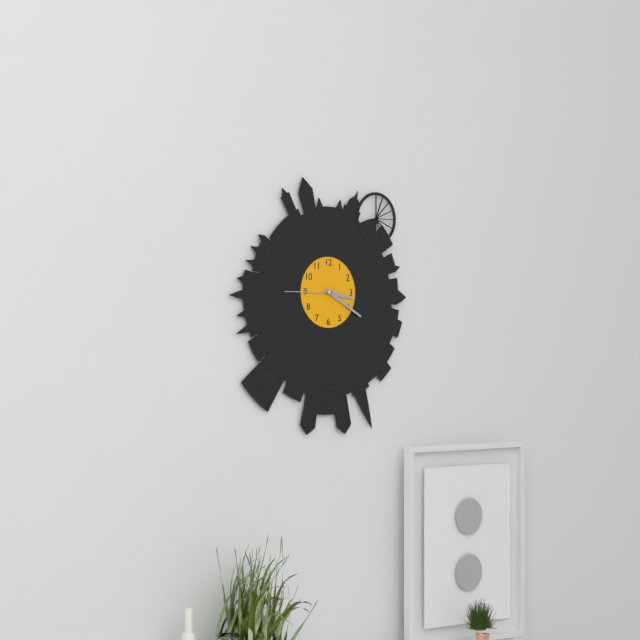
**3:20:45**
